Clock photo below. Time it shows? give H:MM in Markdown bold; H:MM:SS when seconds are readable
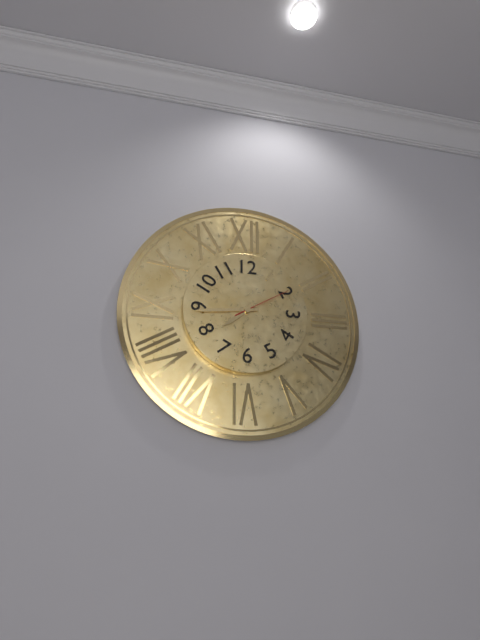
**7:44:10**
